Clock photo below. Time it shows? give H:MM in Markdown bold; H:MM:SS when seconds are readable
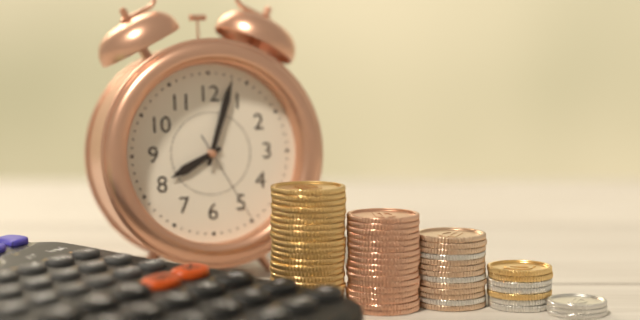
**8:03:25**
